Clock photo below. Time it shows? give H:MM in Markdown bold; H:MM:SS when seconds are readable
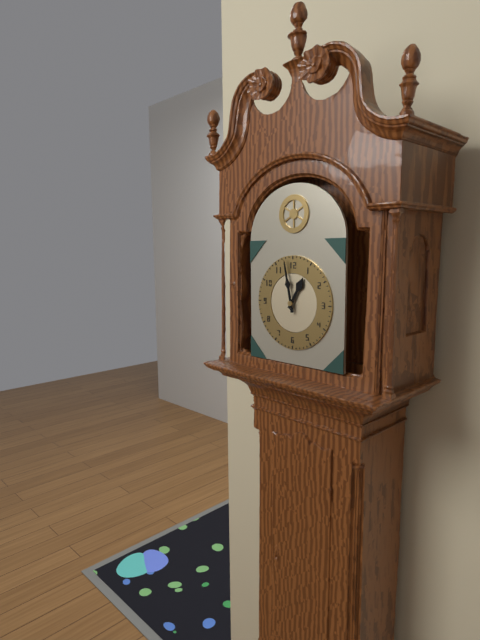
**12:58**
